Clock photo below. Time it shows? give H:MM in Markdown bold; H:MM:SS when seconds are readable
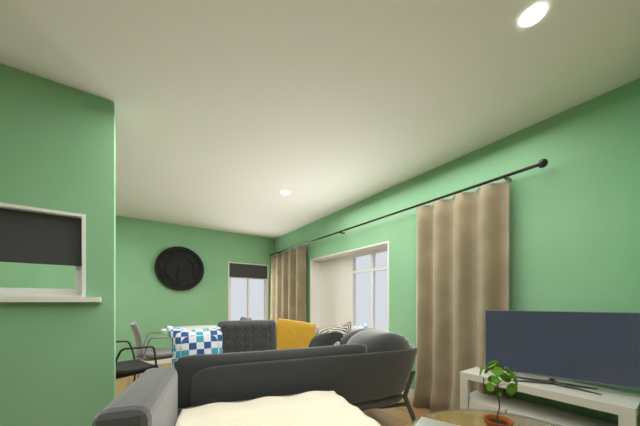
**6:17**
